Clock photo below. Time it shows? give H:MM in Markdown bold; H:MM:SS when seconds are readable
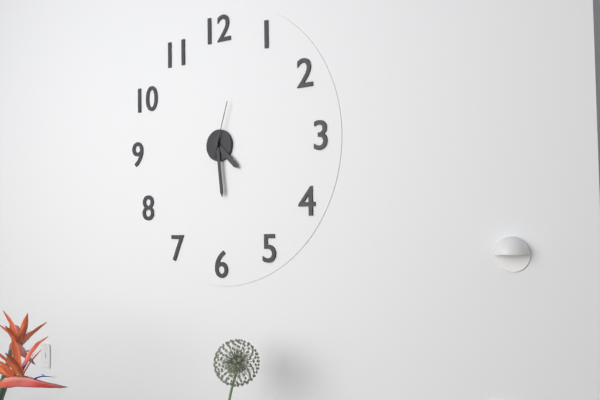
**4:29:03**
